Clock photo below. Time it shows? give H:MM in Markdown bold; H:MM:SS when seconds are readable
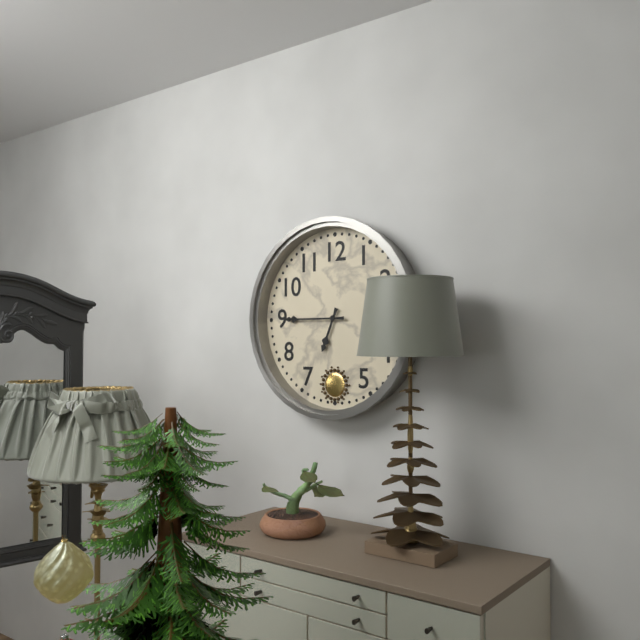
**6:45**
